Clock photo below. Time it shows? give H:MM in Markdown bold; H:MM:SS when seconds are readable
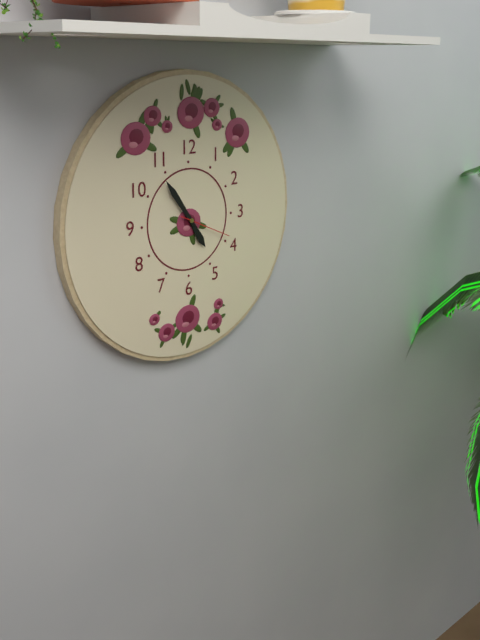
**4:54:19**
